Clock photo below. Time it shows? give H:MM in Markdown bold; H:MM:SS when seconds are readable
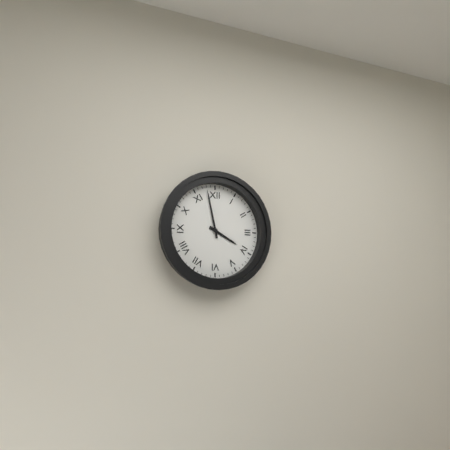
**3:58**
